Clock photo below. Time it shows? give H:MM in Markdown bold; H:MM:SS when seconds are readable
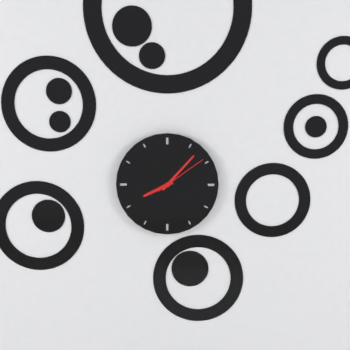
**8:07:09**
